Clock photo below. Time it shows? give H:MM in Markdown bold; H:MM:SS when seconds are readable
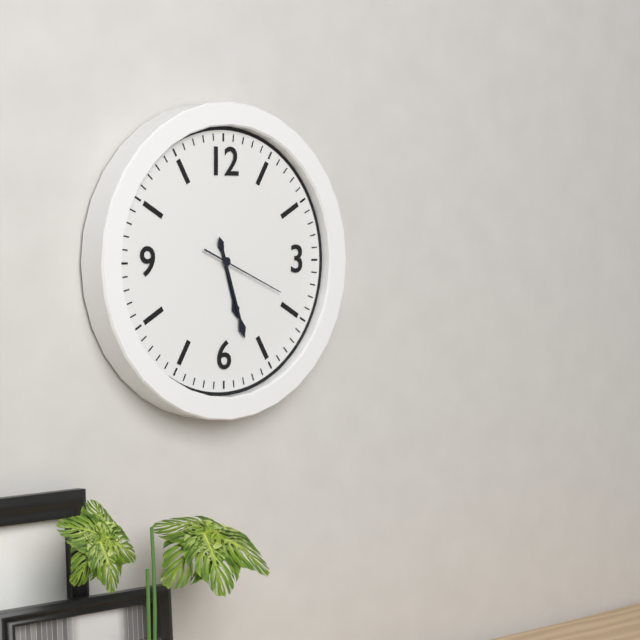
**5:27:19**
